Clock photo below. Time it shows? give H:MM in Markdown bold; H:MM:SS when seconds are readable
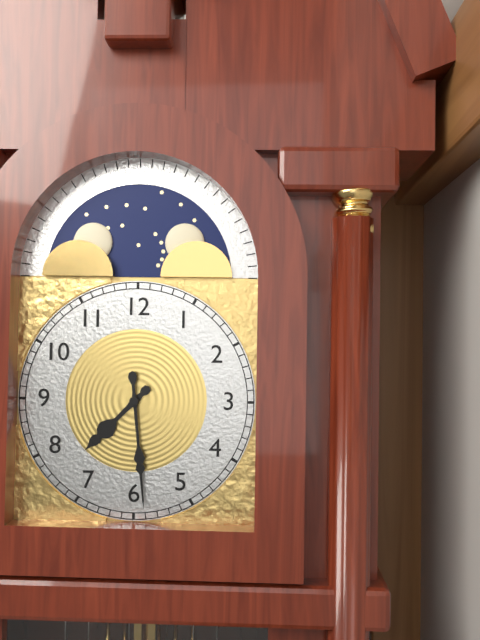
**7:29**
